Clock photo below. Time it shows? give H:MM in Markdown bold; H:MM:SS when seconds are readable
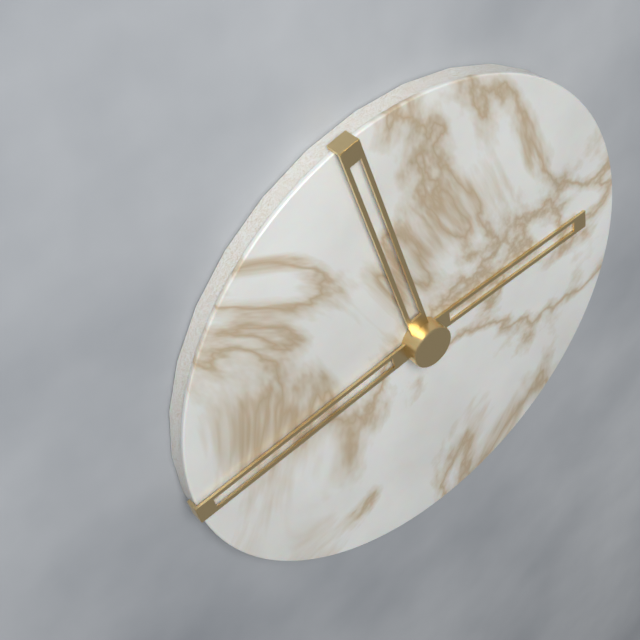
**2:43:57**
